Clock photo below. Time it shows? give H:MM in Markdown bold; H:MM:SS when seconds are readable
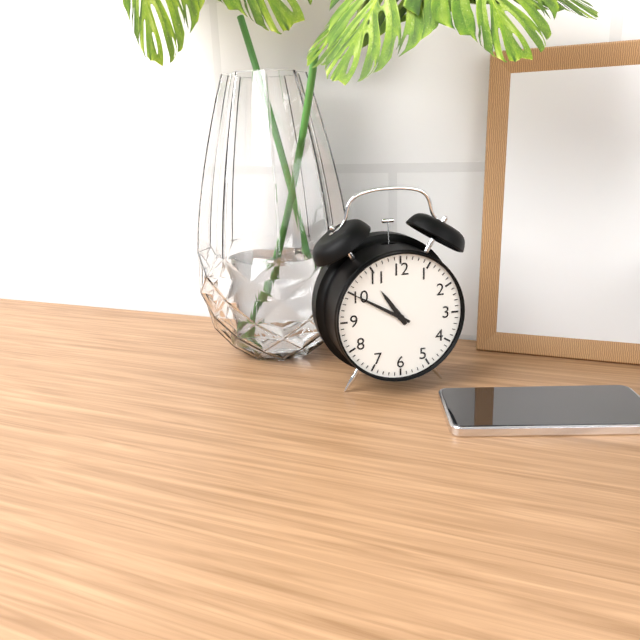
**10:50**
